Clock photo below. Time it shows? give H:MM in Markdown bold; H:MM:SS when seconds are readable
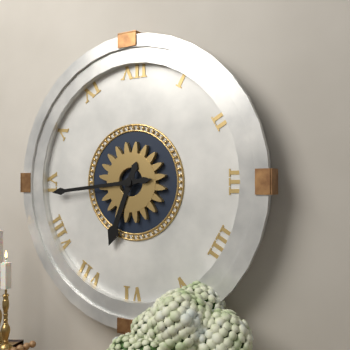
**6:44**
